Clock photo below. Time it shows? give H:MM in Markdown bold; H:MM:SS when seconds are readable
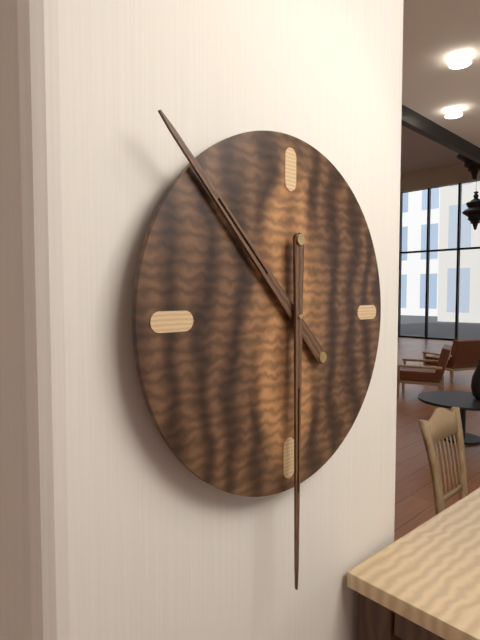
**10:30**
